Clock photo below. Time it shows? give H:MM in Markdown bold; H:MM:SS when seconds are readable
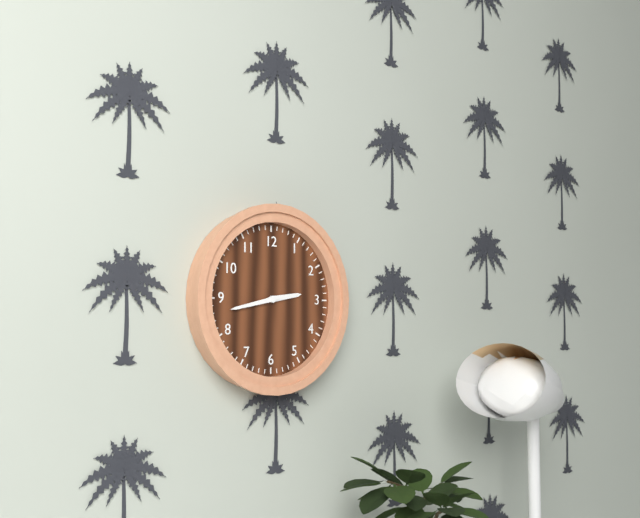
**2:43**
